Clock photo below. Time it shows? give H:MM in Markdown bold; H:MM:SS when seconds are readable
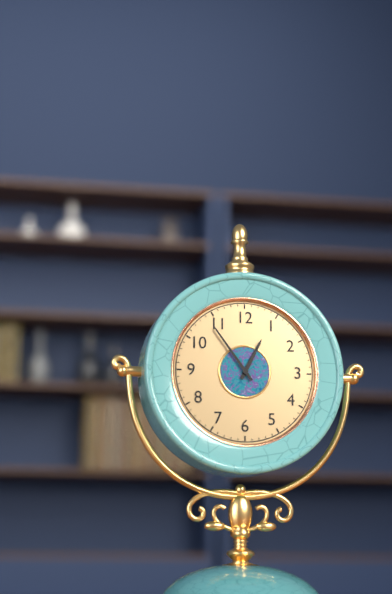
**12:54**
